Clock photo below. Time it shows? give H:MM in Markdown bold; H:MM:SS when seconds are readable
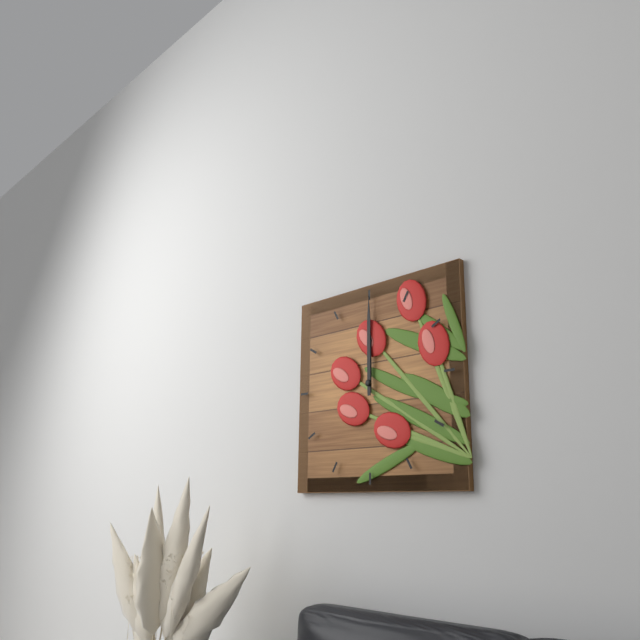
**12:00**
